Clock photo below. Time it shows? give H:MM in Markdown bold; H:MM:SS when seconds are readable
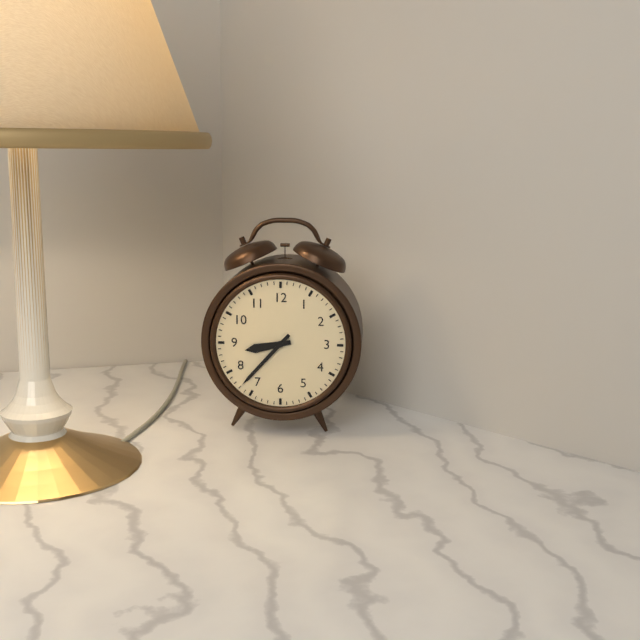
**8:37**
